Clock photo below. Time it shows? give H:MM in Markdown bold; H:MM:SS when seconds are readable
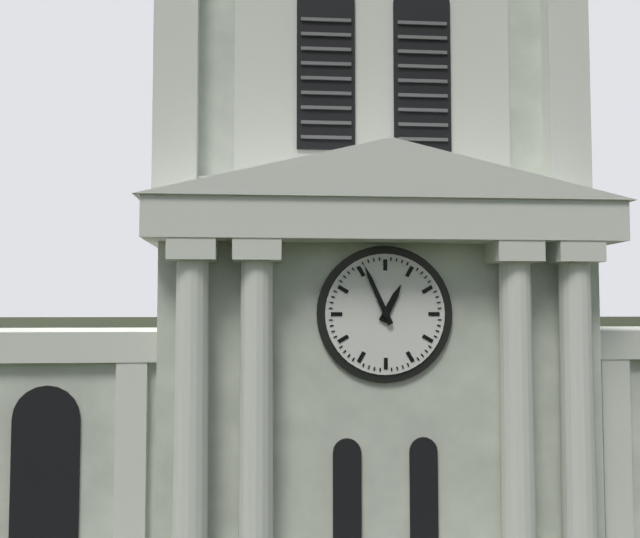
**12:56**
